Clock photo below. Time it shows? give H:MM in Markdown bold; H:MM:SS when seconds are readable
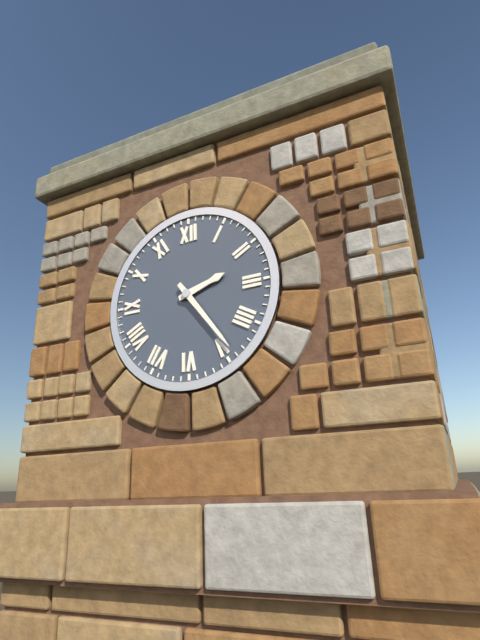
**2:24**
